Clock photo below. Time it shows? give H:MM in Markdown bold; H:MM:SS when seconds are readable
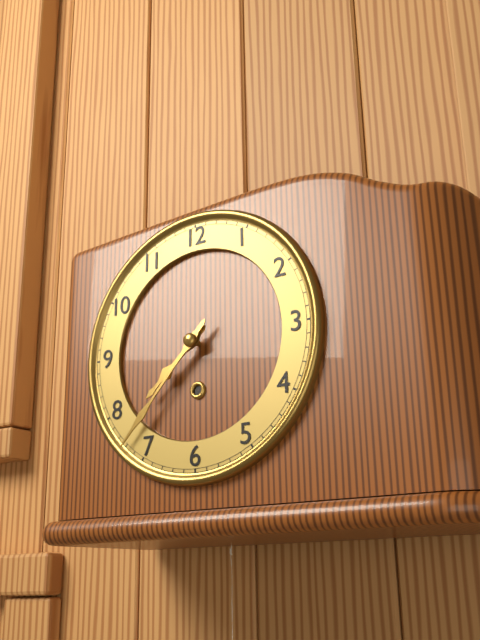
**7:37**
